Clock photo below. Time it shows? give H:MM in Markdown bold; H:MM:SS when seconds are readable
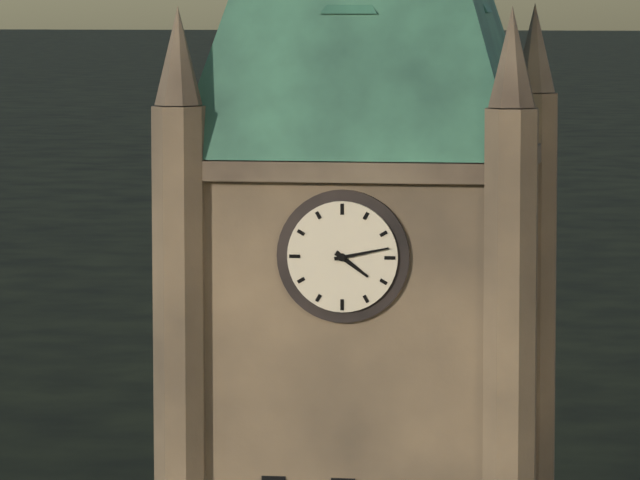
**4:13**
